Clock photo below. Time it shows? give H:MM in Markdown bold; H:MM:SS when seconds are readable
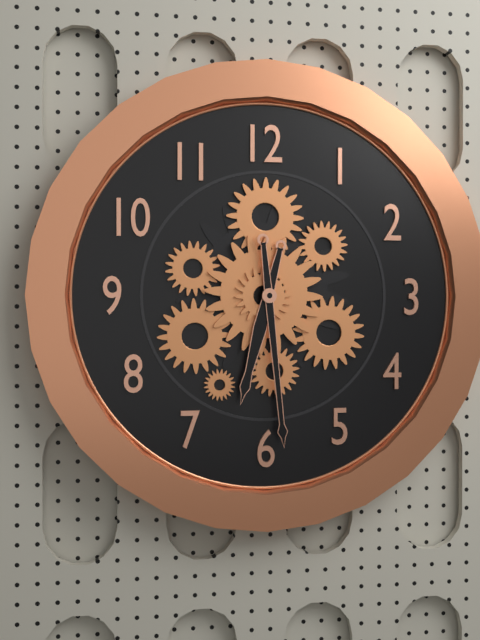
**6:29**
